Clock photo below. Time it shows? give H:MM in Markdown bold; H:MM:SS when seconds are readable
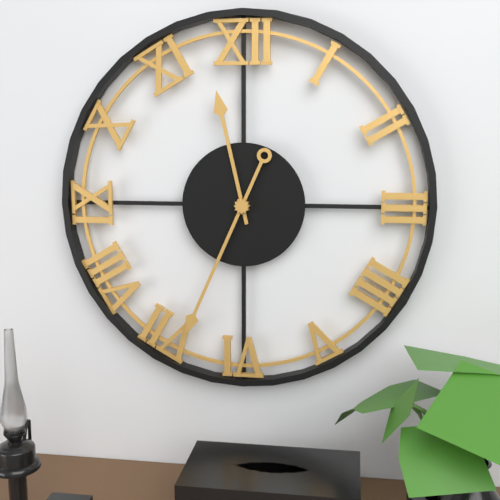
**11:34**
